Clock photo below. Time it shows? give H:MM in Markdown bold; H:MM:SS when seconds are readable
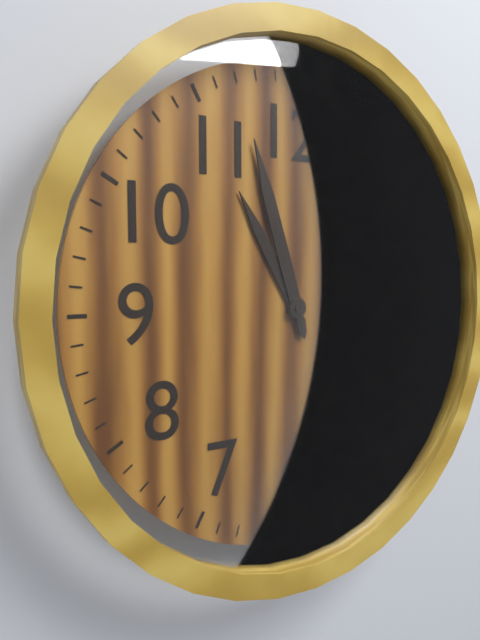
**10:57**
